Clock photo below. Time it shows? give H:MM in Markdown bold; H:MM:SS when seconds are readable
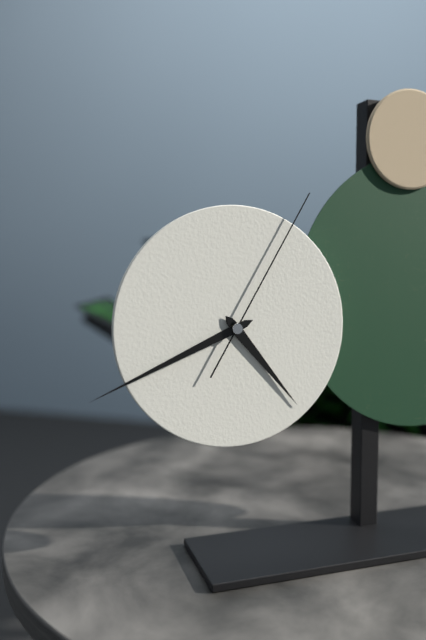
**4:41:05**
